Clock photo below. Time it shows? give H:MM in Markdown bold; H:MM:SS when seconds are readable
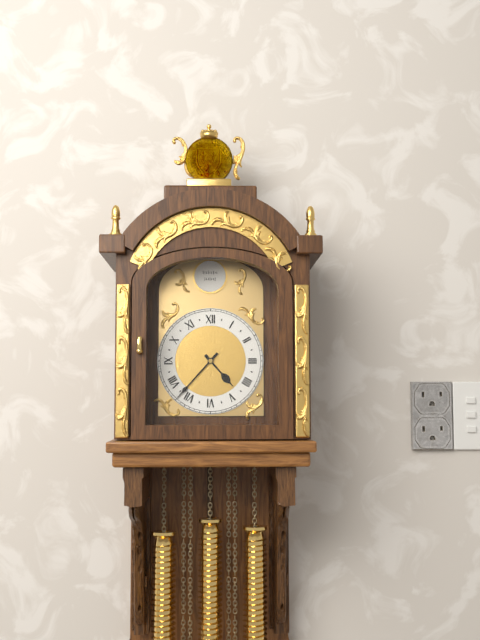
**4:37**
